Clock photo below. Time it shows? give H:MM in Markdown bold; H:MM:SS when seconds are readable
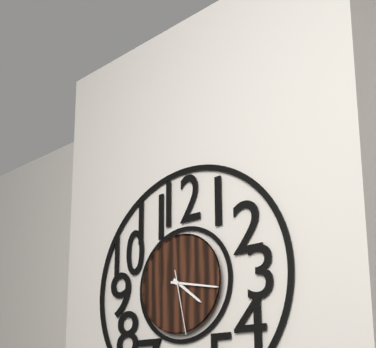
**4:17:28**
